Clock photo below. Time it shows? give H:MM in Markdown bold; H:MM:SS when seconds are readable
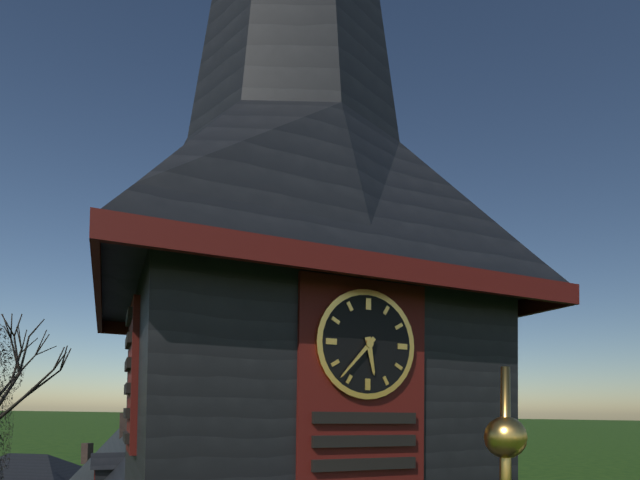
**5:37**
